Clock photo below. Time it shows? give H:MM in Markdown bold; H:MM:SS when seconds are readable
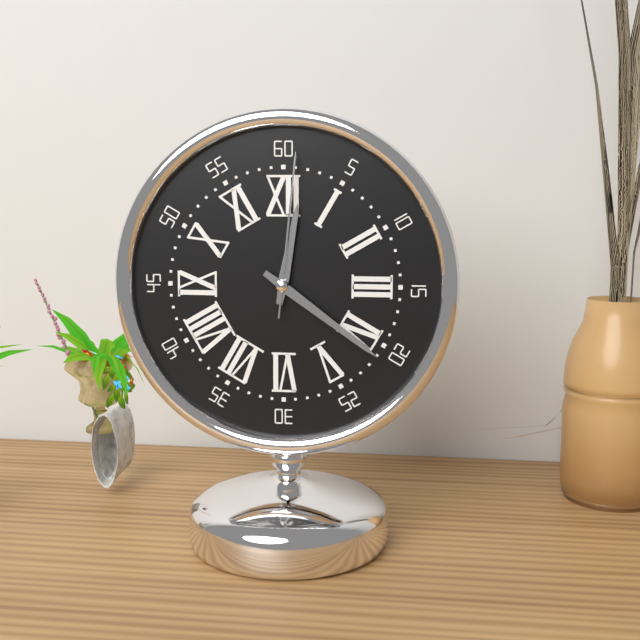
**12:21:01**
